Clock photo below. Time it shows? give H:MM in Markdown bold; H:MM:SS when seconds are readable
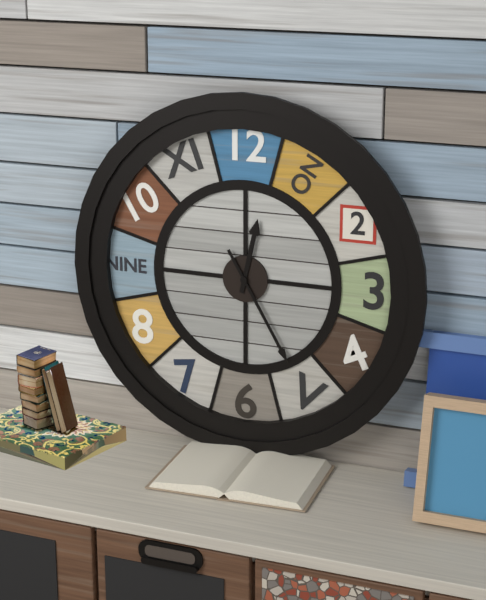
**12:25**
